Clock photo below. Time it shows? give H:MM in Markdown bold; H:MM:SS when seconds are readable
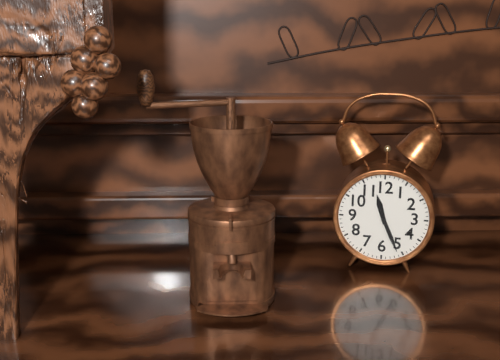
**11:26**
